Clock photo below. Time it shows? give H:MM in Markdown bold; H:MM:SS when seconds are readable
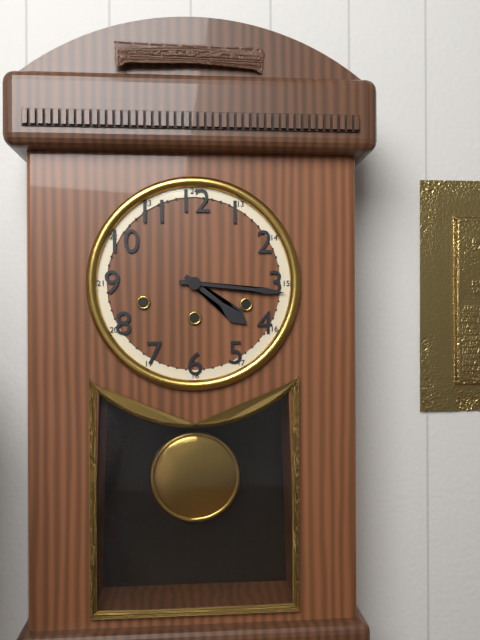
**4:16**
